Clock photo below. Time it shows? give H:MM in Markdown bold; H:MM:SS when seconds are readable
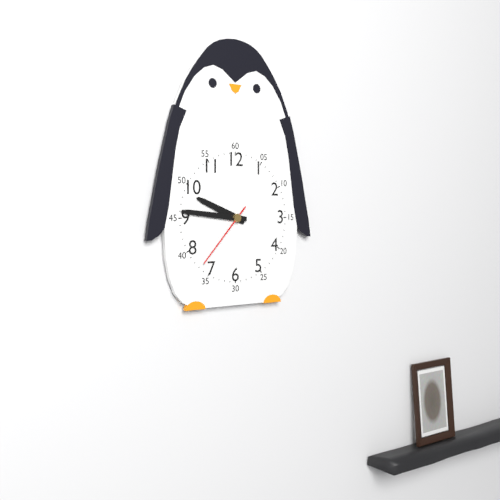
**9:46:37**
